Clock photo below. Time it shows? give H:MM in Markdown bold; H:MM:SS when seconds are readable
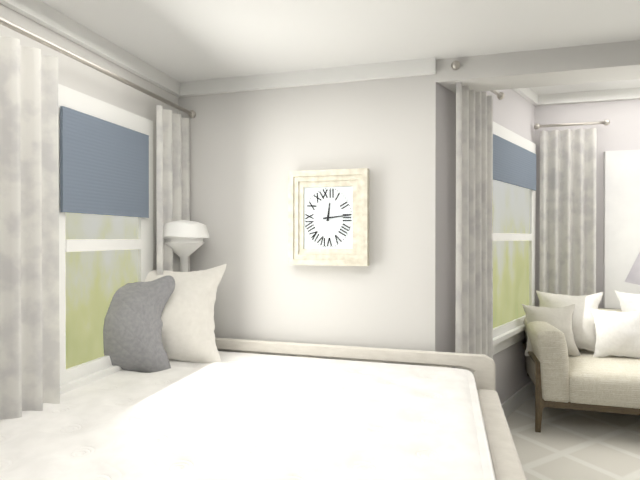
**12:14**
